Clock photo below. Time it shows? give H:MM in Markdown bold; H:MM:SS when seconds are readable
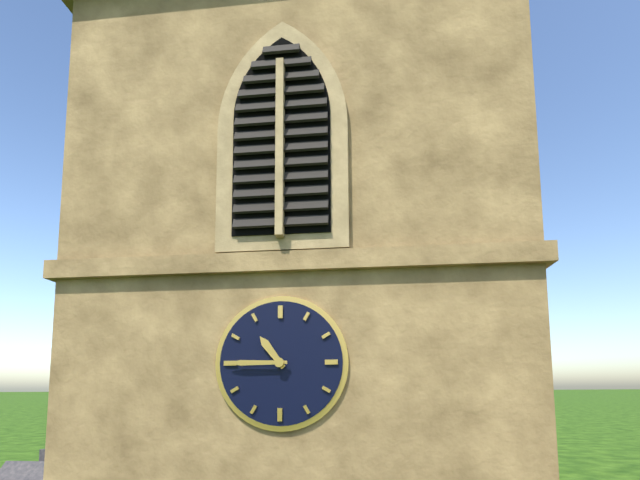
**10:45**
